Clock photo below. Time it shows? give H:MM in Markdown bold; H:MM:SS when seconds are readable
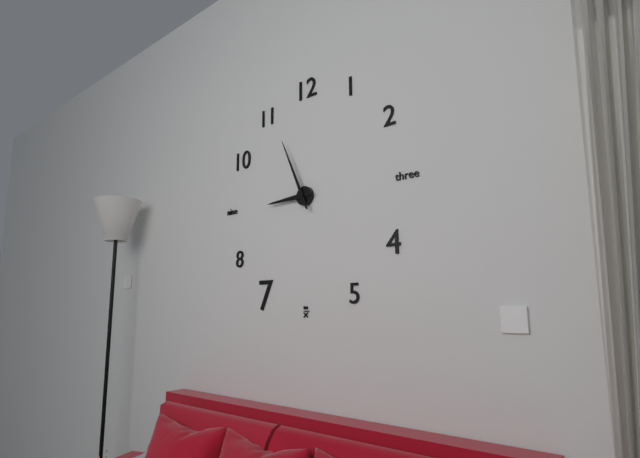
**8:56**
